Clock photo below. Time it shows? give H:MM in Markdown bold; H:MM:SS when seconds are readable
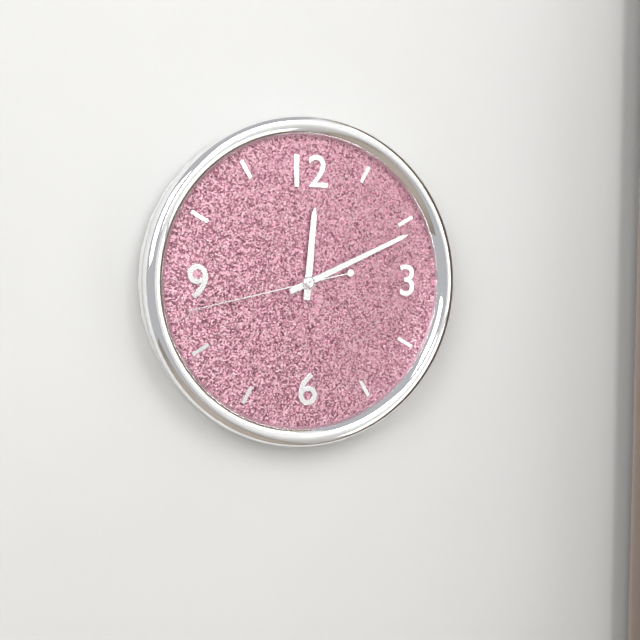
**12:11:43**
